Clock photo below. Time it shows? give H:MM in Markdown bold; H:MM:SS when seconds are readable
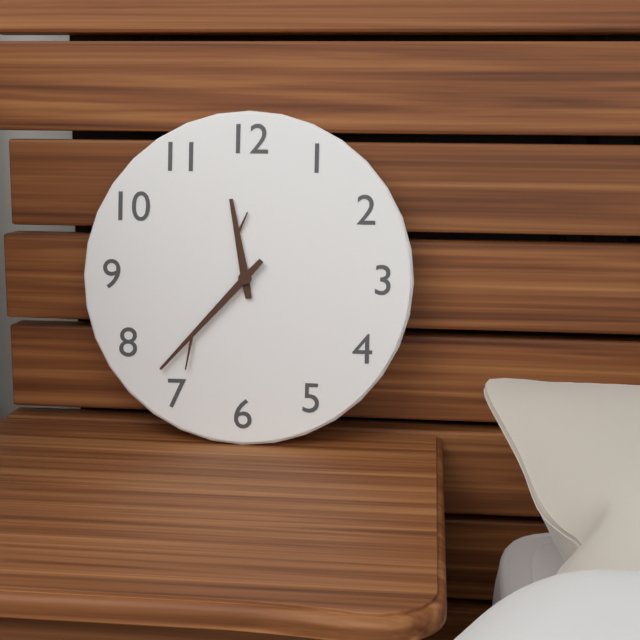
**11:37**
